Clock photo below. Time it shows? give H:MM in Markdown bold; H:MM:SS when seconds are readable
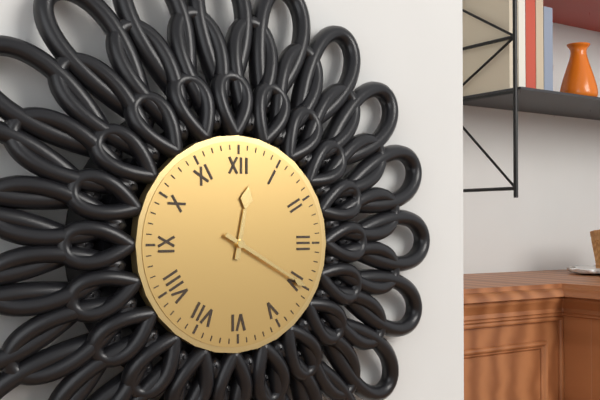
**12:20**
